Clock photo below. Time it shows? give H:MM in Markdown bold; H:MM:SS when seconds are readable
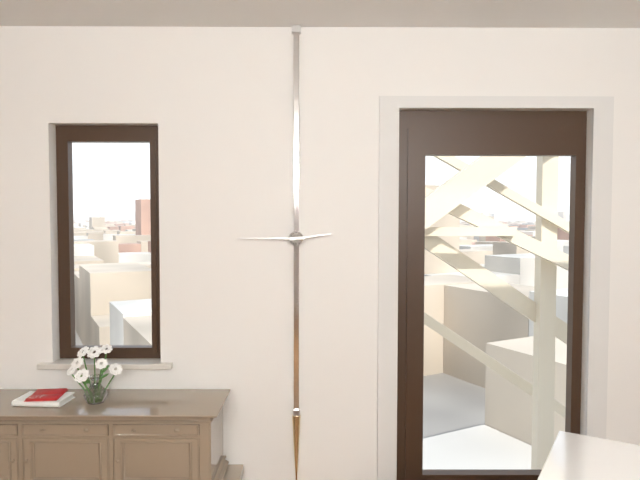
**2:45**
